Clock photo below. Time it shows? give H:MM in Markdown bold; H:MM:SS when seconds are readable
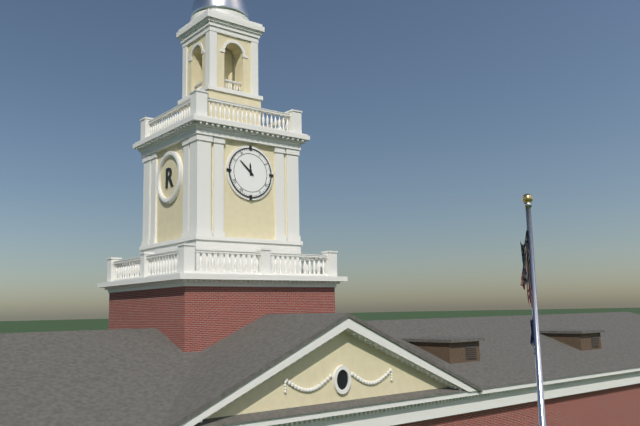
**11:52**
